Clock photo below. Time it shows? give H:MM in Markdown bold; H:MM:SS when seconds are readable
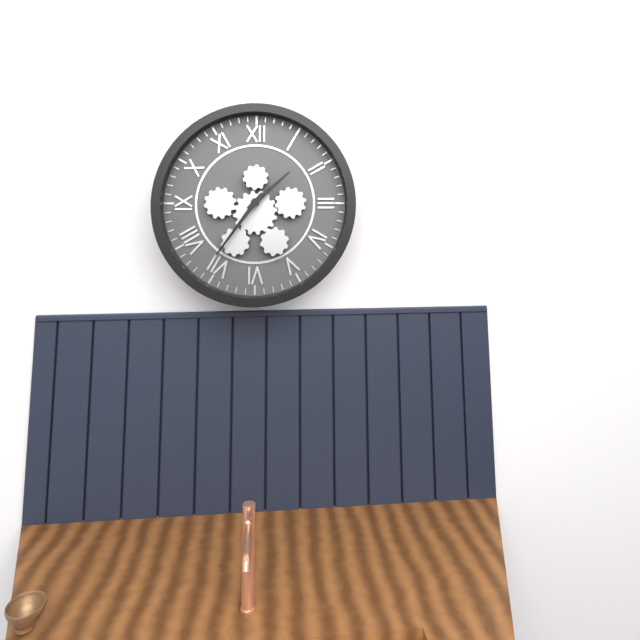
**1:36**
